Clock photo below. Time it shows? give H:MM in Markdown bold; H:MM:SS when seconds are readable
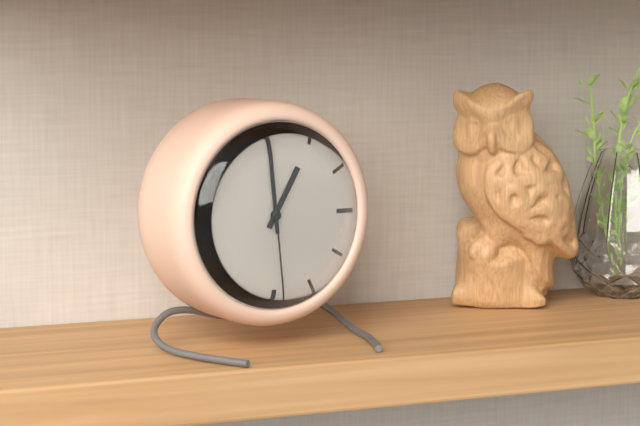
**12:59:29**
